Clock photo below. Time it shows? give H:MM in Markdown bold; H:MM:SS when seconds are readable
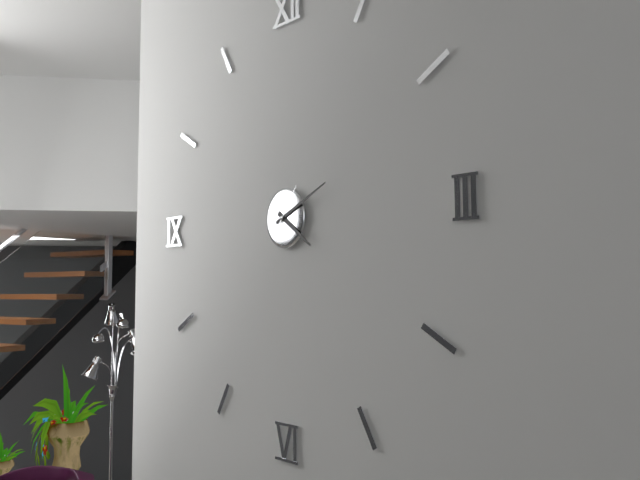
**4:11**
